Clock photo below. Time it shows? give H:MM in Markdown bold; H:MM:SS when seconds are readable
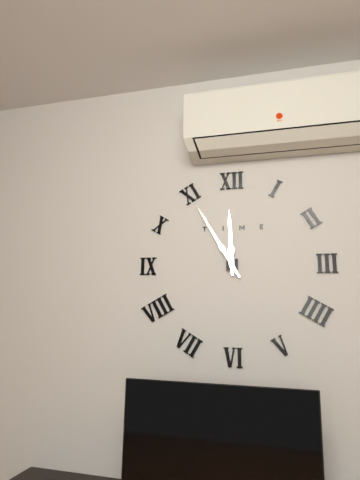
**11:55**
